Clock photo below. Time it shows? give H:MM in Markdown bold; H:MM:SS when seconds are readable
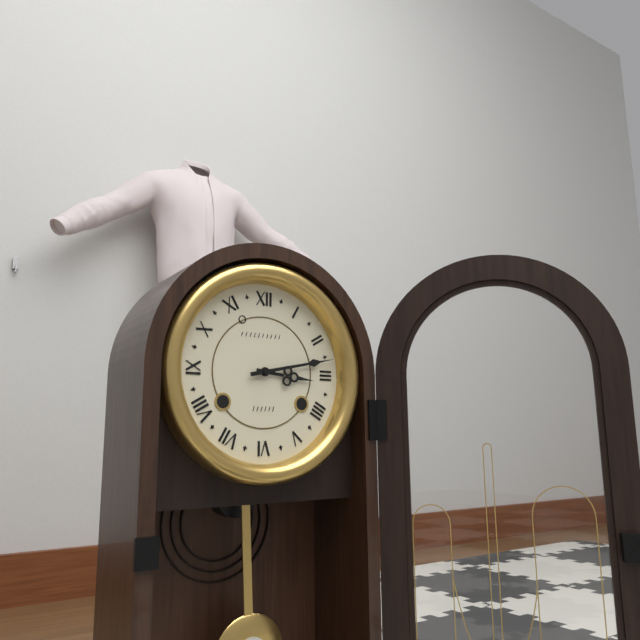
**3:13**
